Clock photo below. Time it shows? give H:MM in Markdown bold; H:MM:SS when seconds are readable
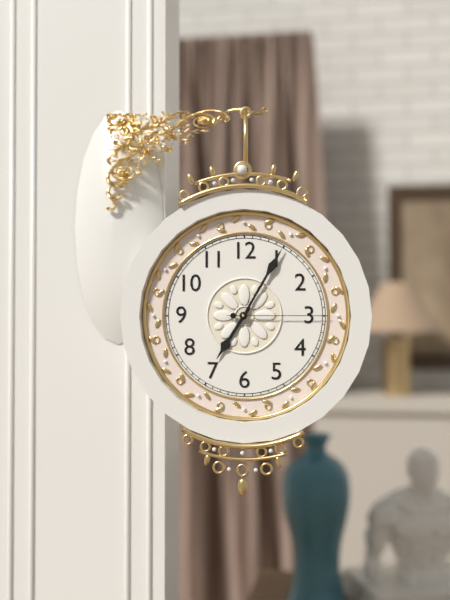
**7:05:15**
